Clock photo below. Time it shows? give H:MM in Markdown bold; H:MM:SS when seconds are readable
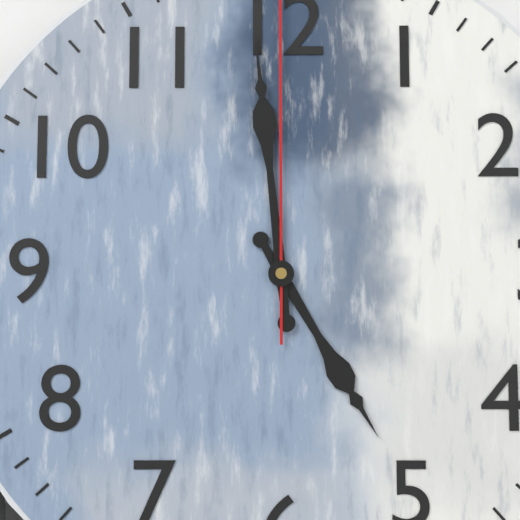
**4:59**
